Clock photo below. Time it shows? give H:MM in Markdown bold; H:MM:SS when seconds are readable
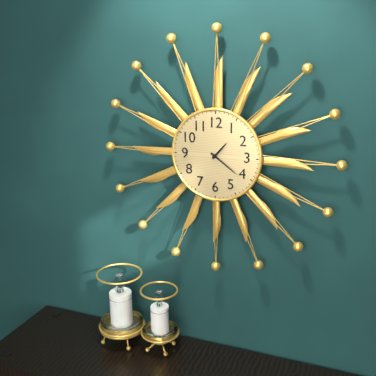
**1:21**
